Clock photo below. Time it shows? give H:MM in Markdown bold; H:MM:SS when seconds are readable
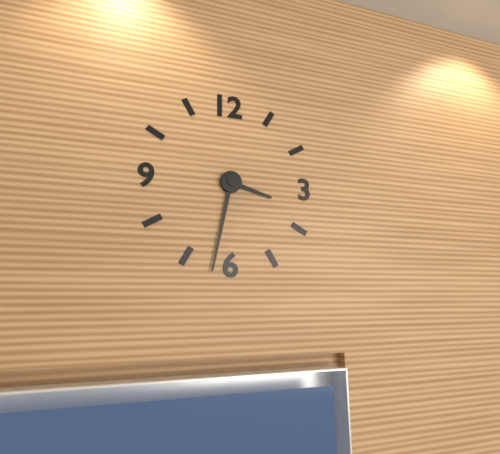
**3:32**
